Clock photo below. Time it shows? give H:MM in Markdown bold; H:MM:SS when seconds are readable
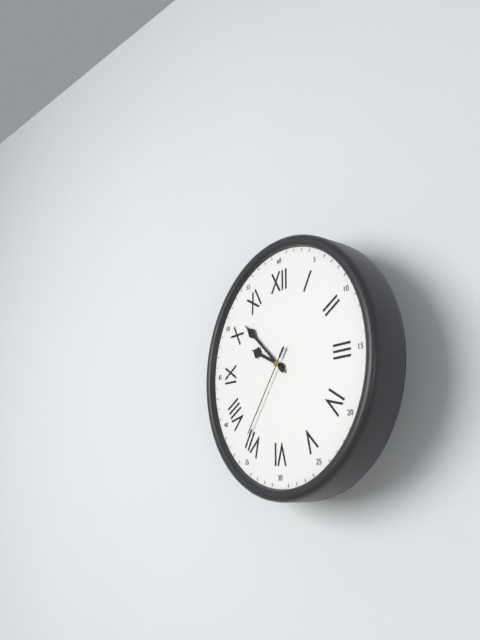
**9:52:36**
